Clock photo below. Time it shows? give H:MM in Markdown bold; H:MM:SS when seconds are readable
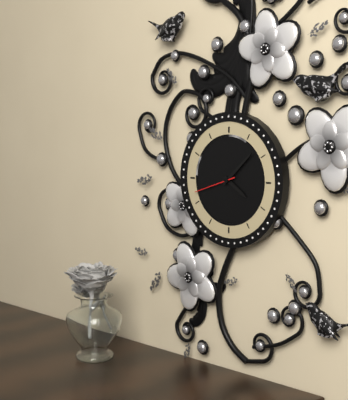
**4:08**
